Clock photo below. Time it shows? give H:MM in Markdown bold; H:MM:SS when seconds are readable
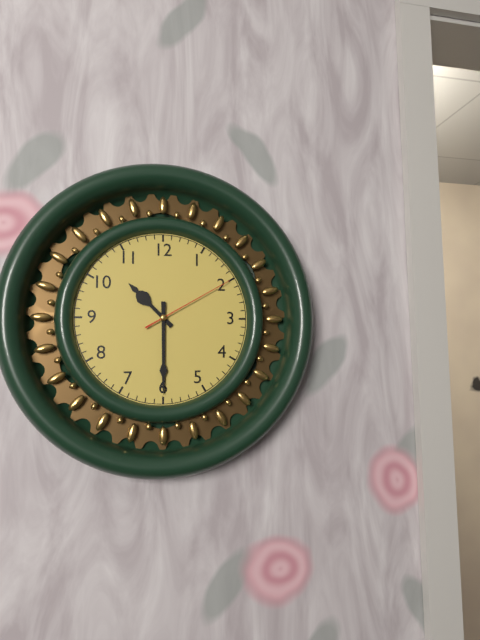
**10:30:10**
